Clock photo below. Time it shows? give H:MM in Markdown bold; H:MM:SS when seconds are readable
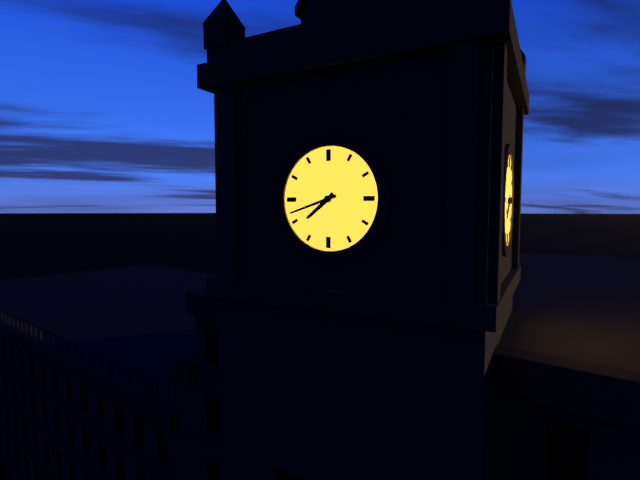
**7:42**
